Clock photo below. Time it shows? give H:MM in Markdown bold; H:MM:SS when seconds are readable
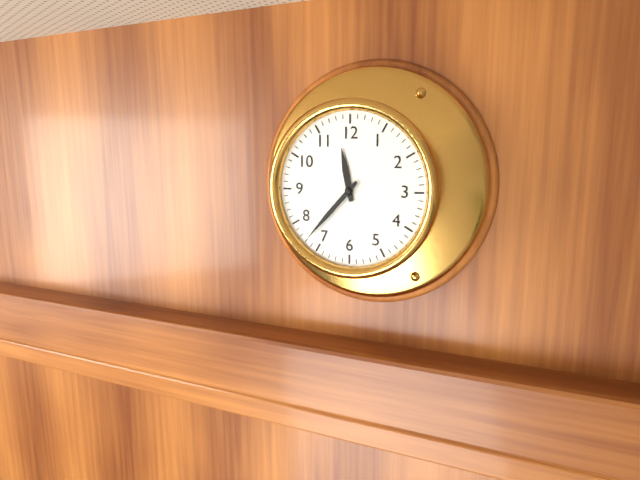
**11:37**
